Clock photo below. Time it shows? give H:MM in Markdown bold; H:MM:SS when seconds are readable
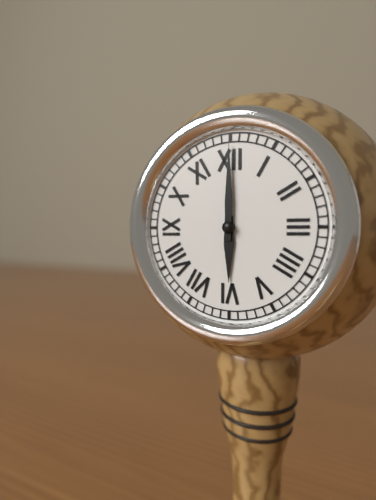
**6:00**
